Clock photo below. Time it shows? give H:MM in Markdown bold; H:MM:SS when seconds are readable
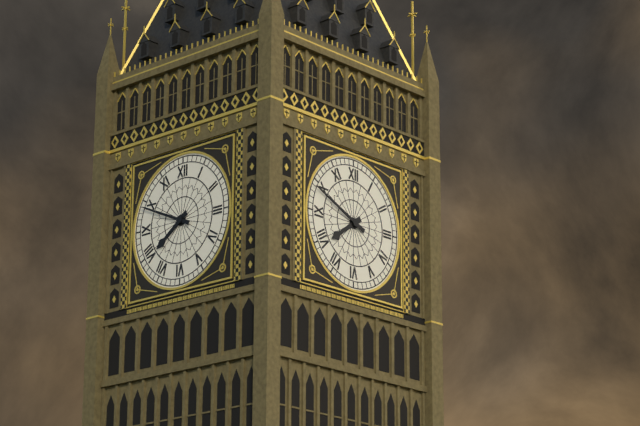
**7:49**
